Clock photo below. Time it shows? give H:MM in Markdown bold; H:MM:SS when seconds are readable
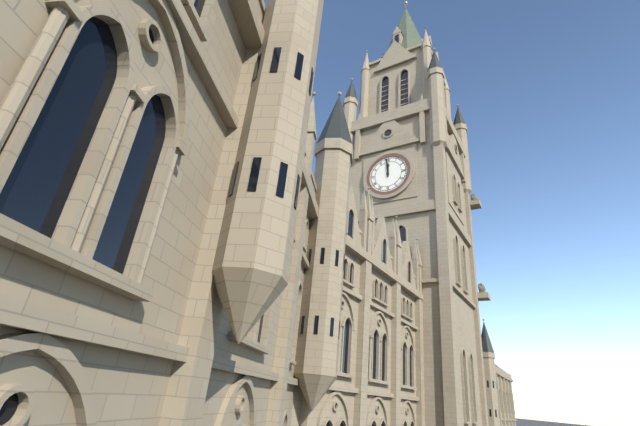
**11:59**
